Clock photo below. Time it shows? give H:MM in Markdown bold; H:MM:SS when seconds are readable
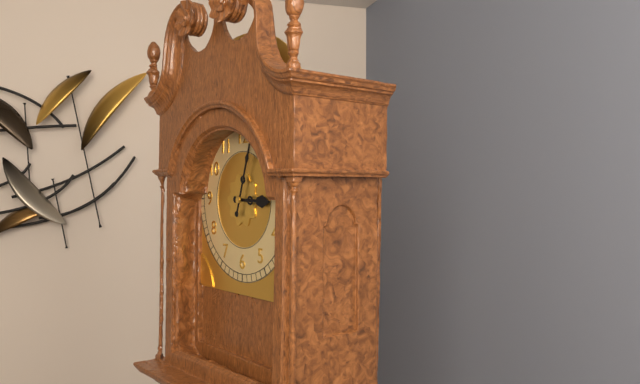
**3:03**
